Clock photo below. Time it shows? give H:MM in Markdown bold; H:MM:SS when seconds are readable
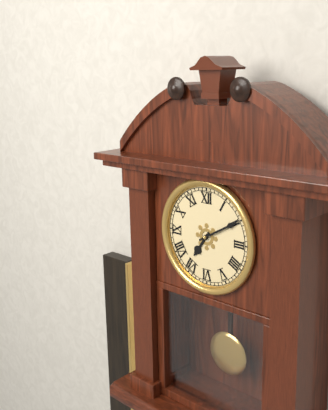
**7:10**
